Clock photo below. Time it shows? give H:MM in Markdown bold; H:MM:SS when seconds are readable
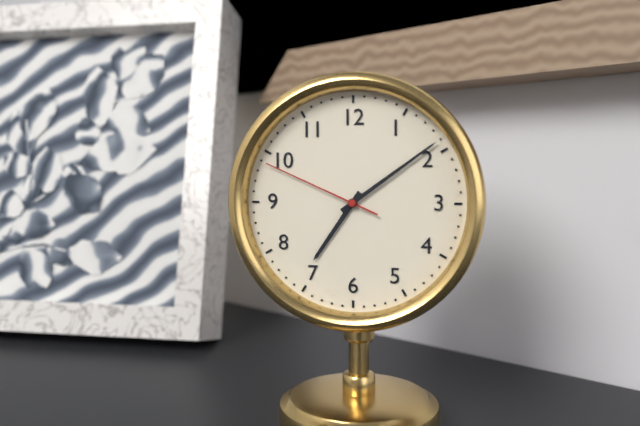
**7:09:49**
